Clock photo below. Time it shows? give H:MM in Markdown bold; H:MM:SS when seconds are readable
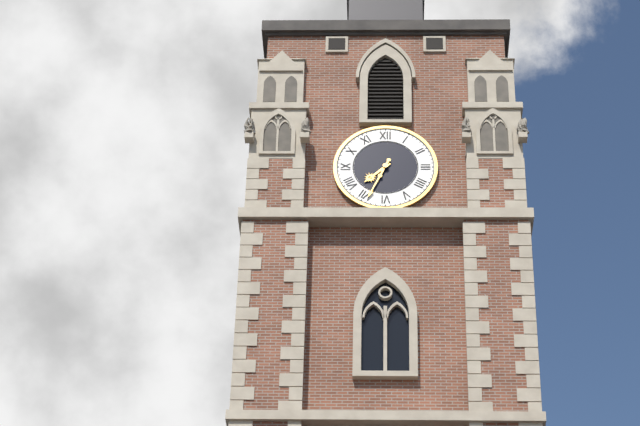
**7:34**
